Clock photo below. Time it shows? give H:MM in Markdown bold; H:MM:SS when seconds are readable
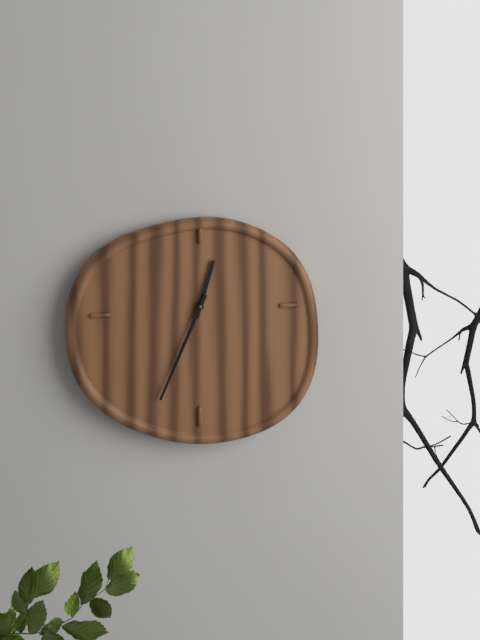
**12:34**
